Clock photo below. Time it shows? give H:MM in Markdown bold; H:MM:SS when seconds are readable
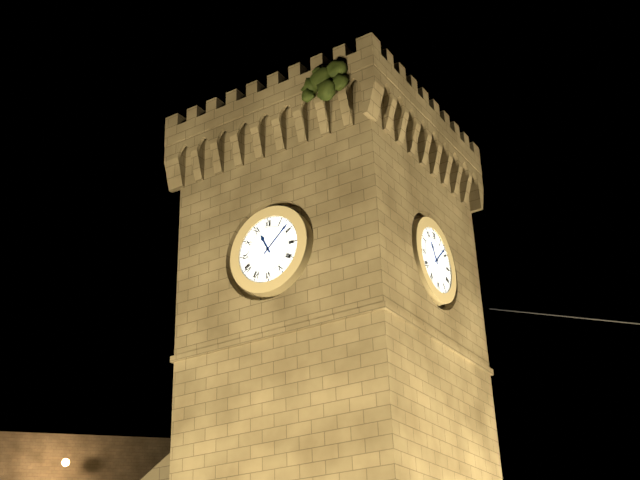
**11:08**
